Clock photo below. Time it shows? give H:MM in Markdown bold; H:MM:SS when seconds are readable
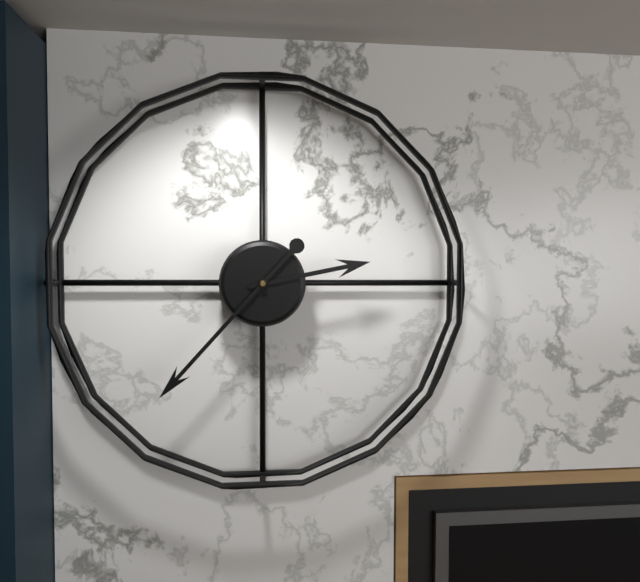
**2:37**
